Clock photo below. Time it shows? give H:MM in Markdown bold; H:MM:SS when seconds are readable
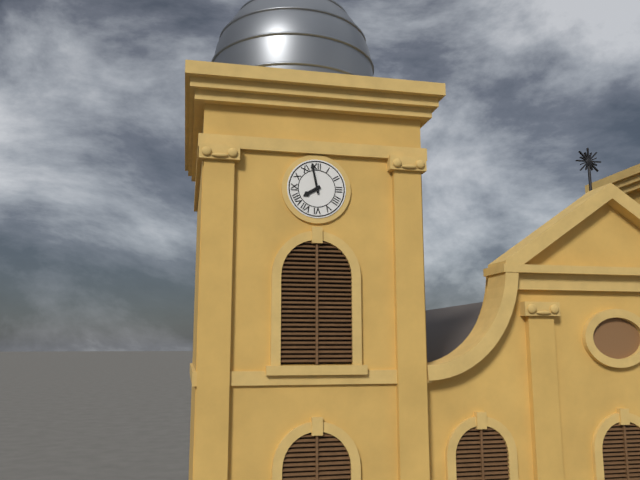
**7:58**
